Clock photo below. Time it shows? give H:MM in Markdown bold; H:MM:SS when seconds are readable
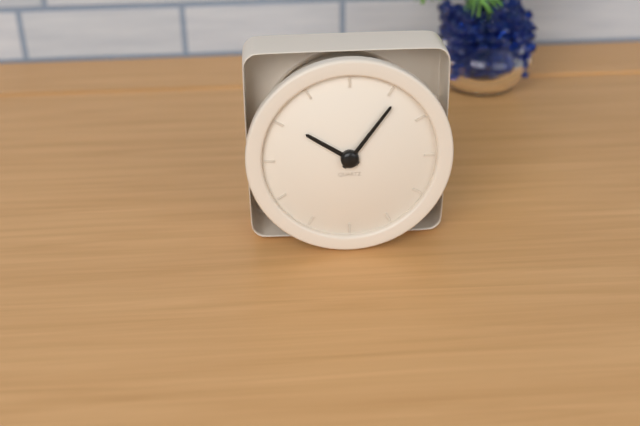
**10:06**
